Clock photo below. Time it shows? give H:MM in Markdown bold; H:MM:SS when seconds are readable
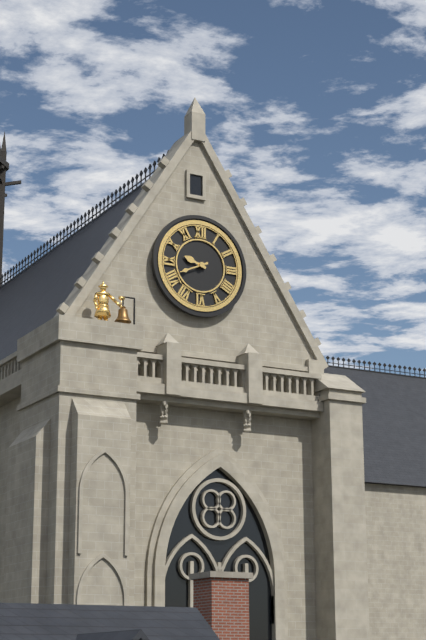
**9:41**
